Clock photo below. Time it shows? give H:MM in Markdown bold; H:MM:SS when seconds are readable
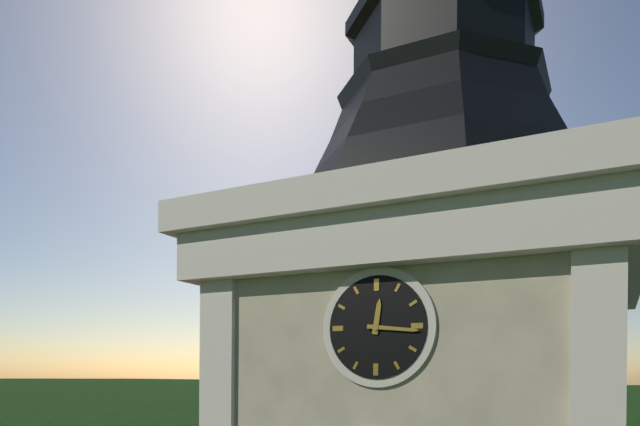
**12:16**
